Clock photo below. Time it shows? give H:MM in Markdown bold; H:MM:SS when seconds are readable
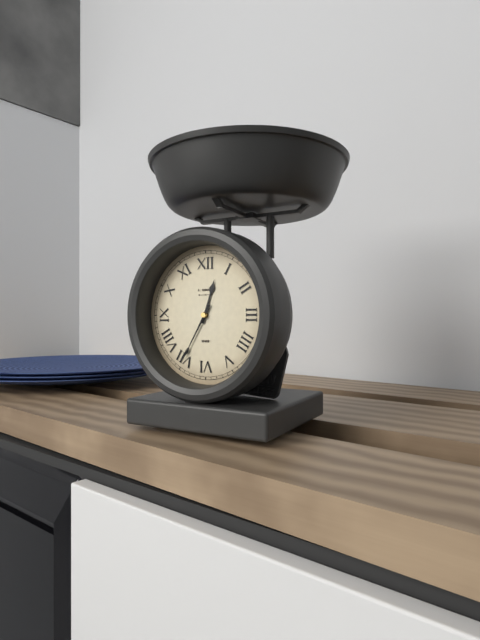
**12:35**
